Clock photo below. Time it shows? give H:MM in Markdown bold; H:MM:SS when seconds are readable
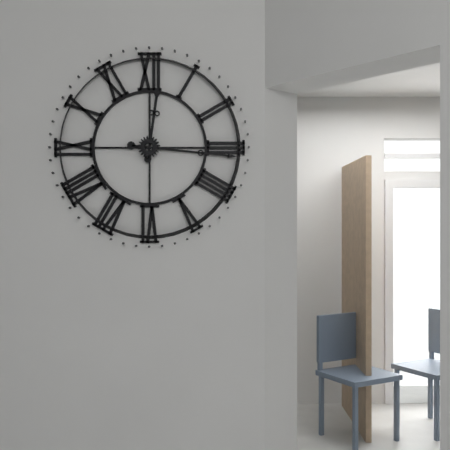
**12:16**
